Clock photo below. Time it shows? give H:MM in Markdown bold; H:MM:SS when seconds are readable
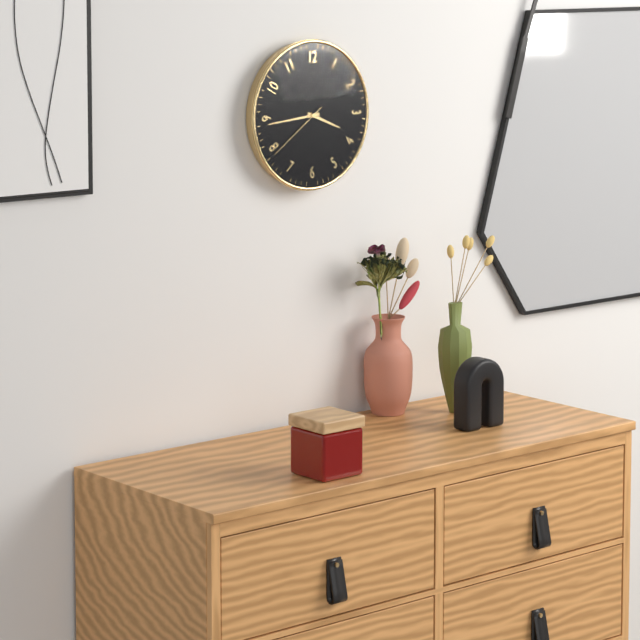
**3:44:39**
